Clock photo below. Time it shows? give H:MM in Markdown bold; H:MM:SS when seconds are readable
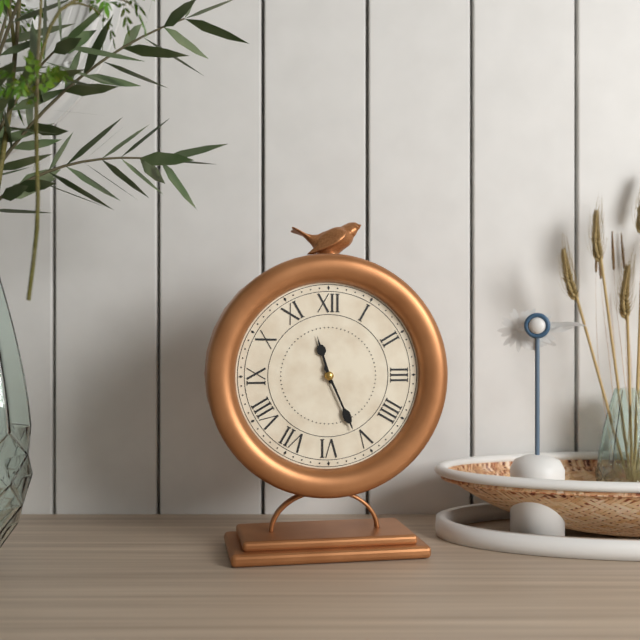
**11:26**
